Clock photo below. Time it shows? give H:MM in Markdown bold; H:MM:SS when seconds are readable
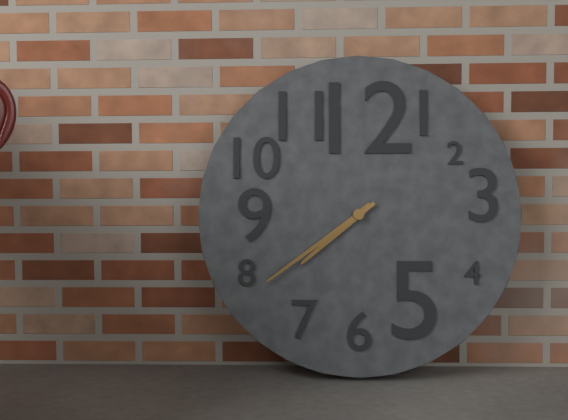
**7:39**
